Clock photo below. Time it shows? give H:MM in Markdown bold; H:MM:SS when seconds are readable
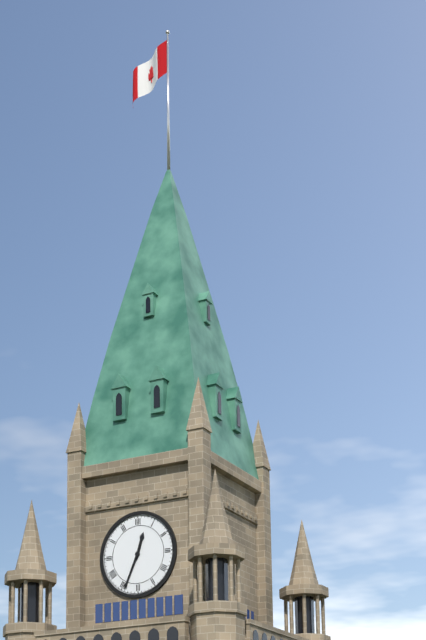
**12:34**
